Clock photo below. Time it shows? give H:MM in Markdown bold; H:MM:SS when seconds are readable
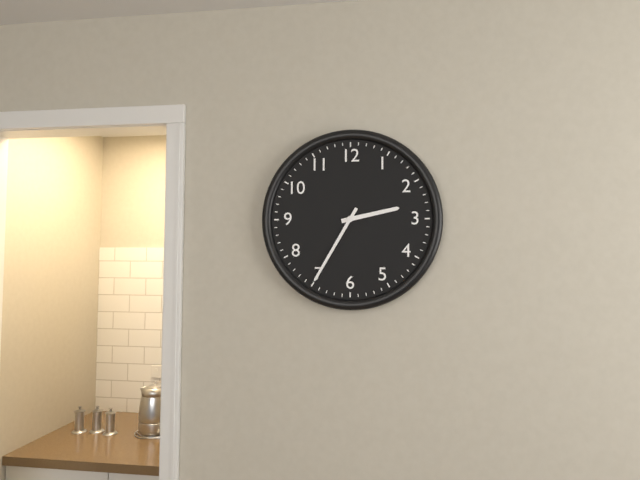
**2:35**
